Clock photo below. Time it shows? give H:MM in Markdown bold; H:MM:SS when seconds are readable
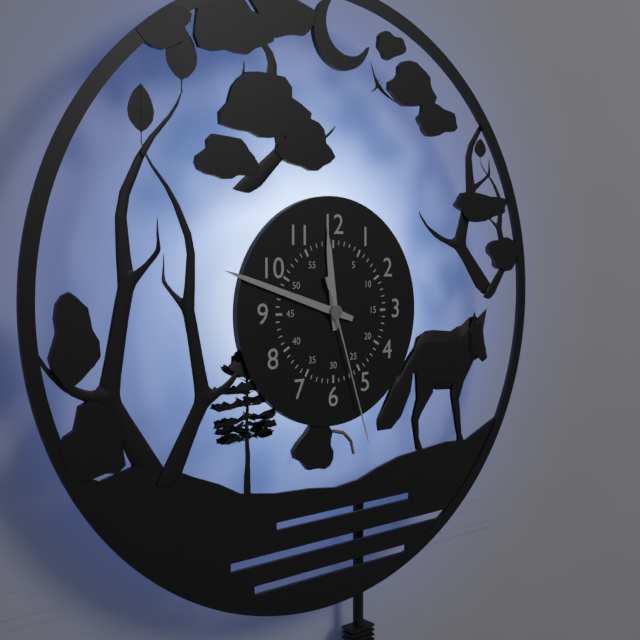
**11:48:27**
